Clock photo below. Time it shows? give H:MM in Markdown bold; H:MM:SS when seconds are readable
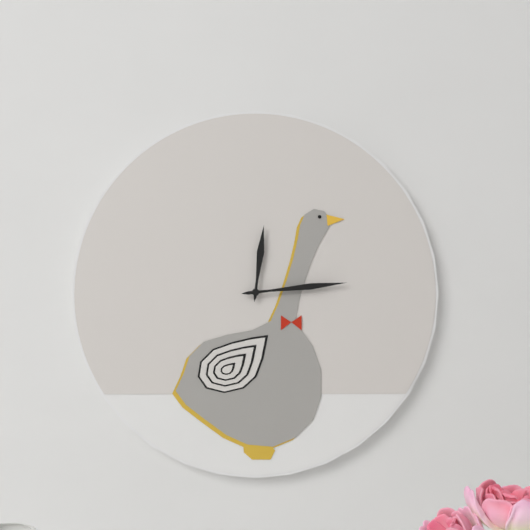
**12:14**
